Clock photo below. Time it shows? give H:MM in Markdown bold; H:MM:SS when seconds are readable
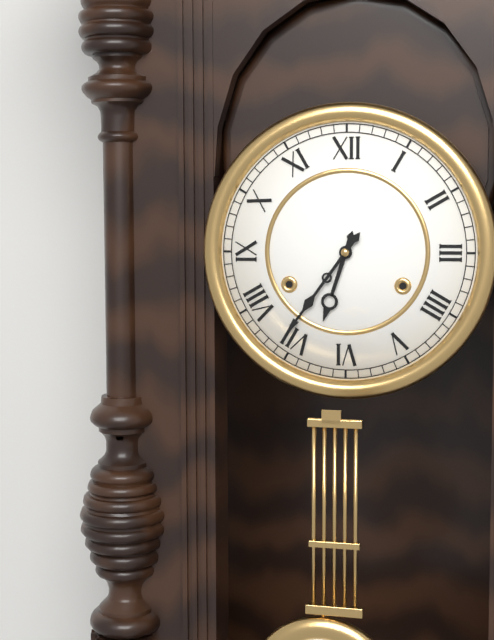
**6:36**
